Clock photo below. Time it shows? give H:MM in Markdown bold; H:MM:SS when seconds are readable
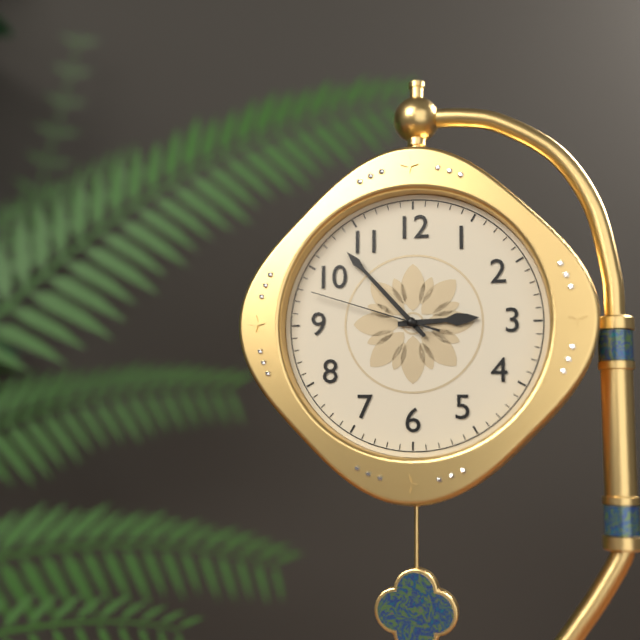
**2:53:48**
